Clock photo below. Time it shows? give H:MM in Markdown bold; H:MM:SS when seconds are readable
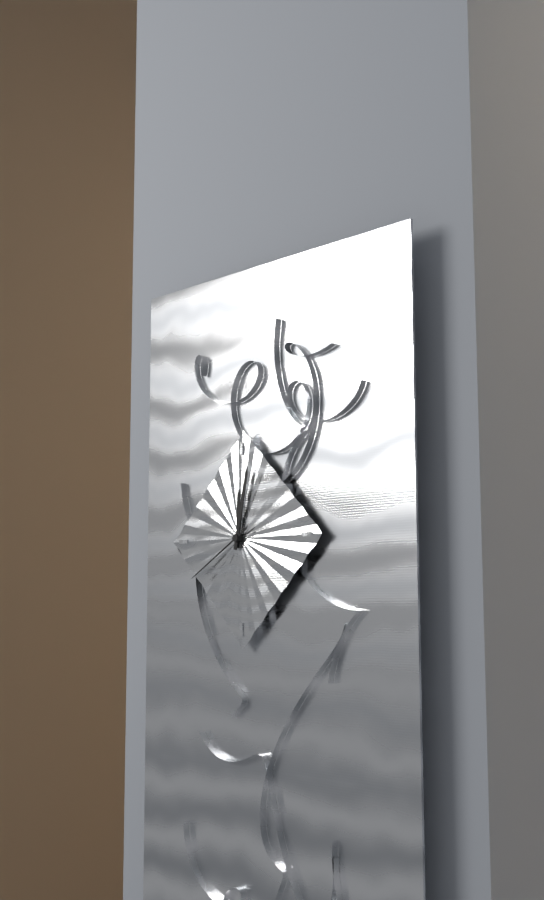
**12:02:40**
